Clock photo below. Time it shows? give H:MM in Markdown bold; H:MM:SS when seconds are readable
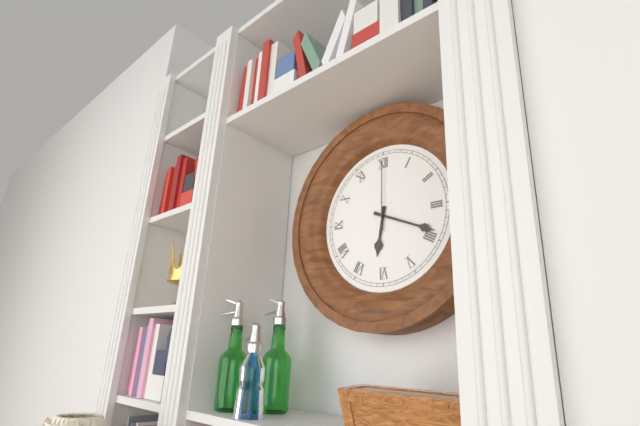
**6:19:00**
